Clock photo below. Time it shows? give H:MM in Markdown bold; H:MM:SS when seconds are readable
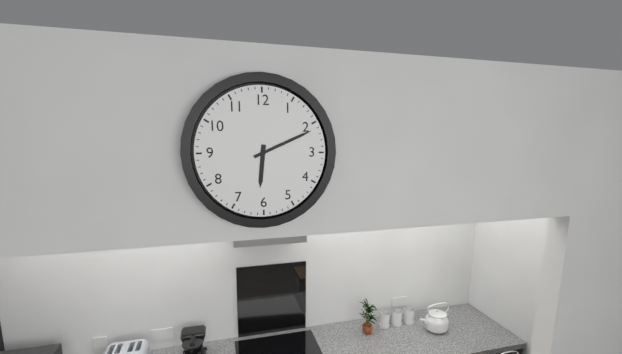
**6:11**
